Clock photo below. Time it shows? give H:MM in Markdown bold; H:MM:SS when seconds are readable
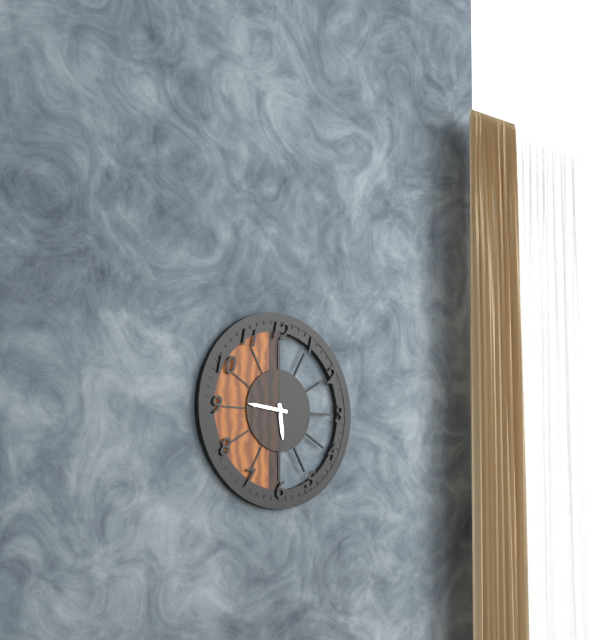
**5:46**
